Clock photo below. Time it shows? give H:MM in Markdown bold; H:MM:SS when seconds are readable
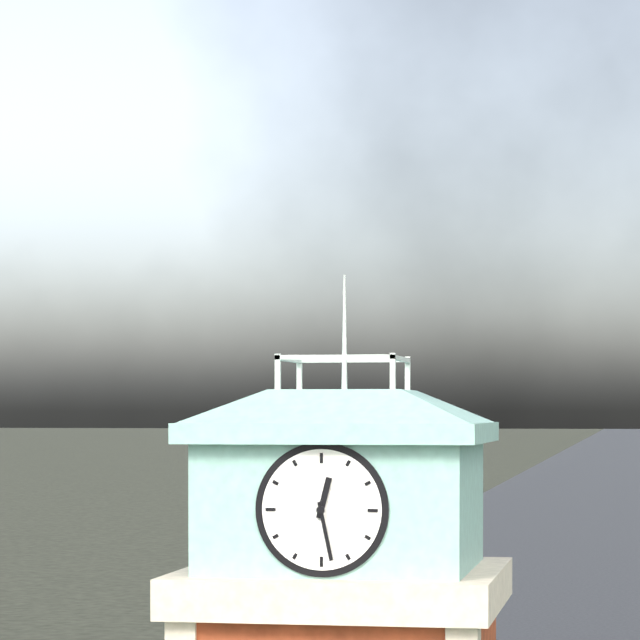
**12:28**
